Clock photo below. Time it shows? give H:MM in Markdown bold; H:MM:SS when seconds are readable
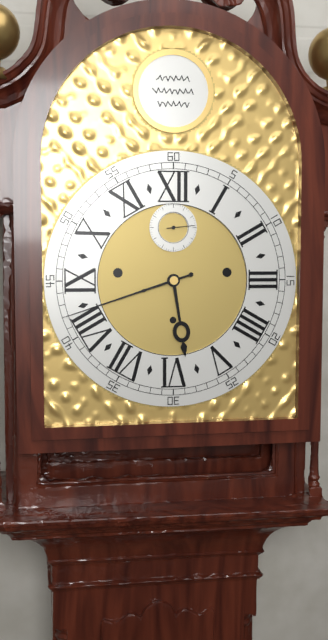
**5:42**
